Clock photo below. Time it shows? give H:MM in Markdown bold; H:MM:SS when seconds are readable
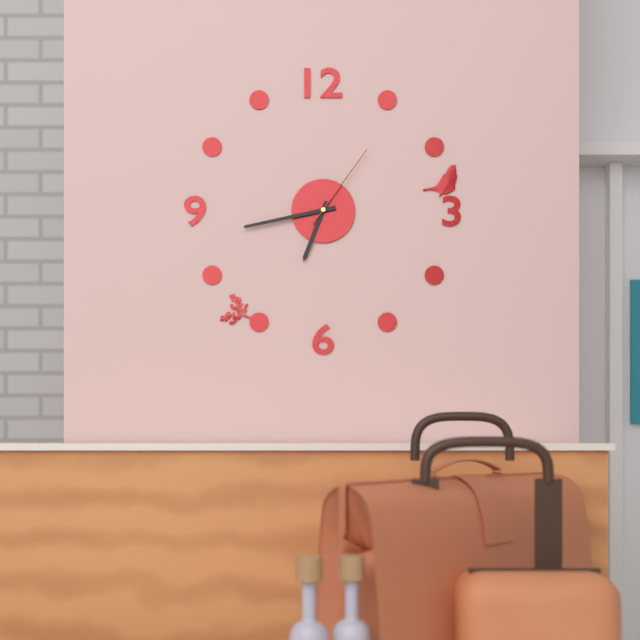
**6:43:06**
